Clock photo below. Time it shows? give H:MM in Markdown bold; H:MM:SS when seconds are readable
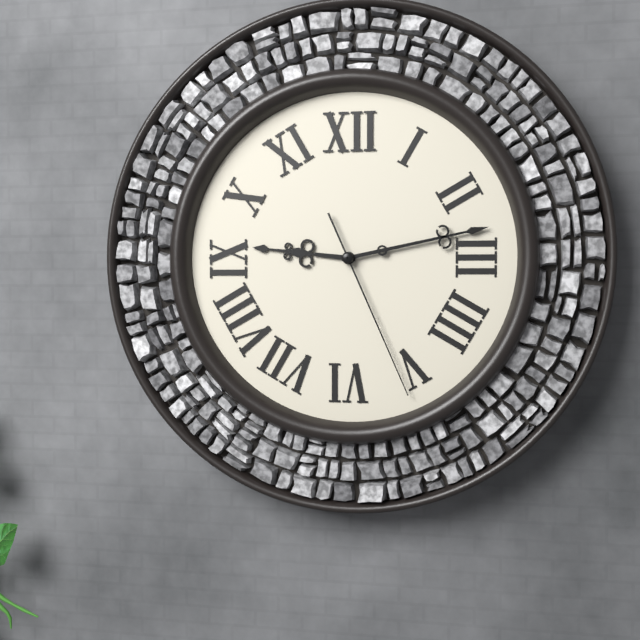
**9:13:26**
